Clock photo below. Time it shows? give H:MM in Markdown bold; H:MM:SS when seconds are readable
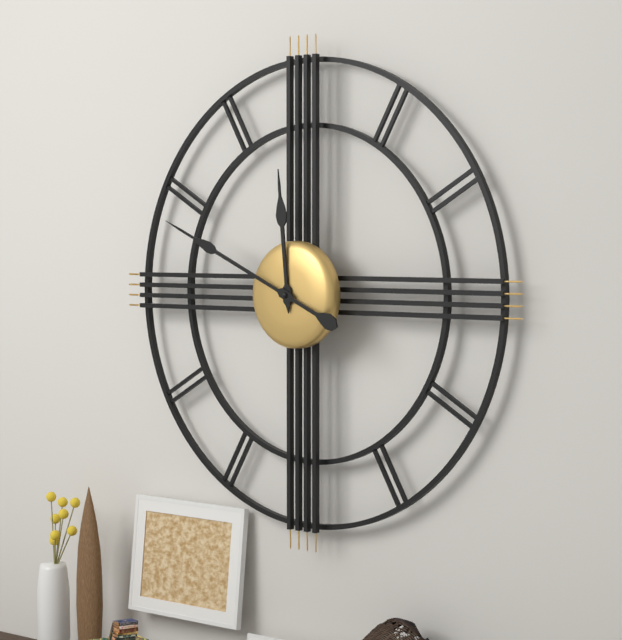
**11:49**
